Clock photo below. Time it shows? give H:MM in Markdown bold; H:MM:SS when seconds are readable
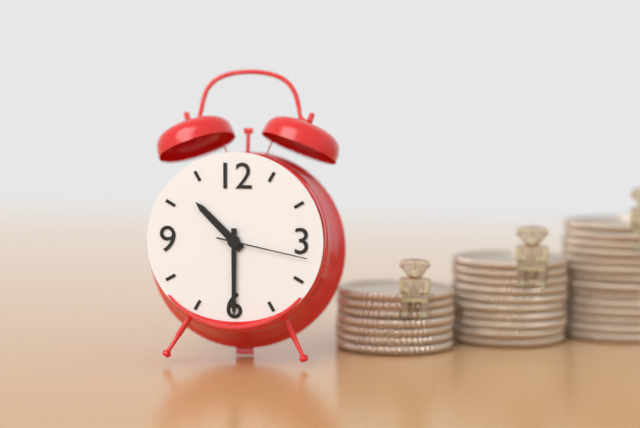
**10:30:17**
